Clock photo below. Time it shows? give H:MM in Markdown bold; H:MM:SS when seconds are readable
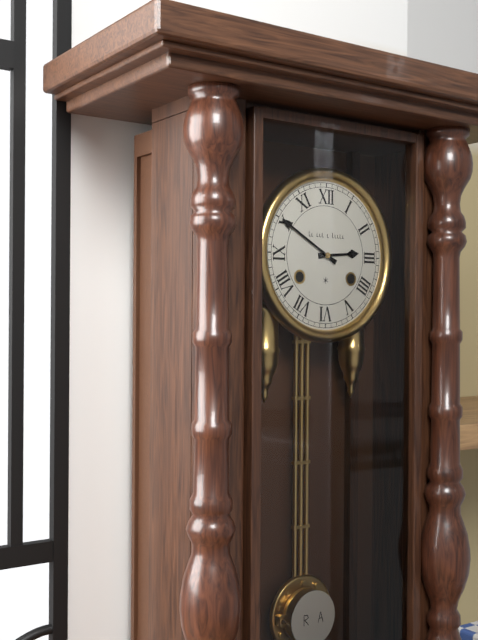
**2:50**
